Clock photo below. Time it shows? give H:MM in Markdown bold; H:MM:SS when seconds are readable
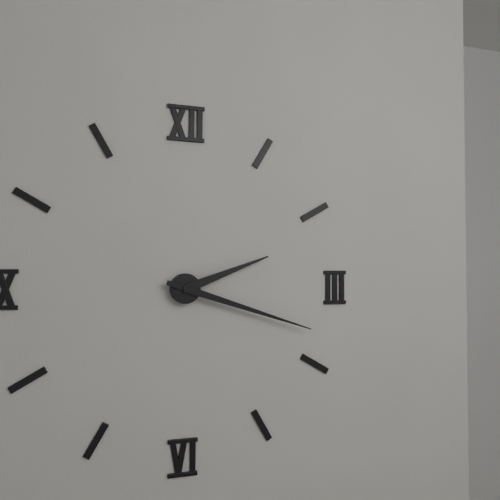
**2:18**
